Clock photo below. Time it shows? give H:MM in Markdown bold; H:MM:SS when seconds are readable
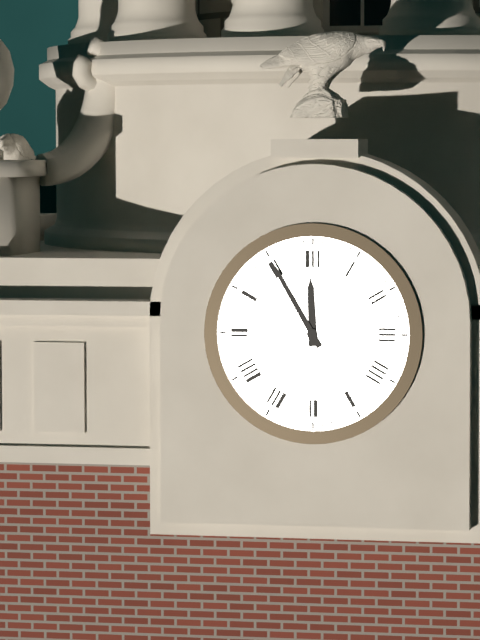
**11:55**
